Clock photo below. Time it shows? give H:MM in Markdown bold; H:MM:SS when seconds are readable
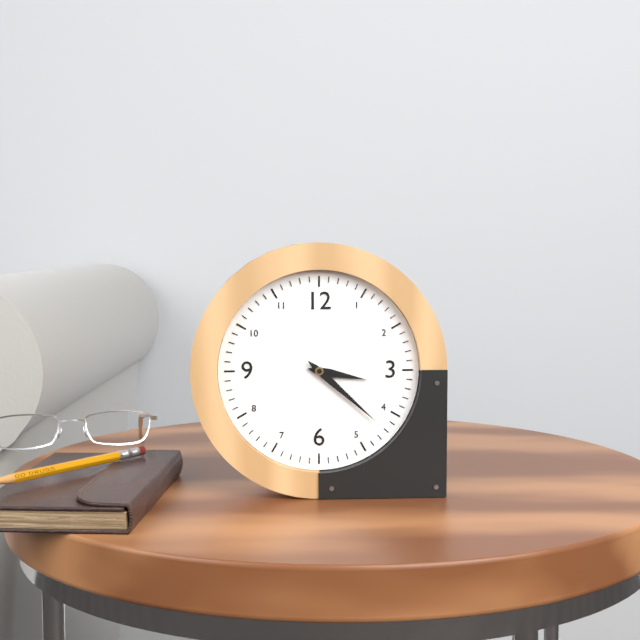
**3:22**
